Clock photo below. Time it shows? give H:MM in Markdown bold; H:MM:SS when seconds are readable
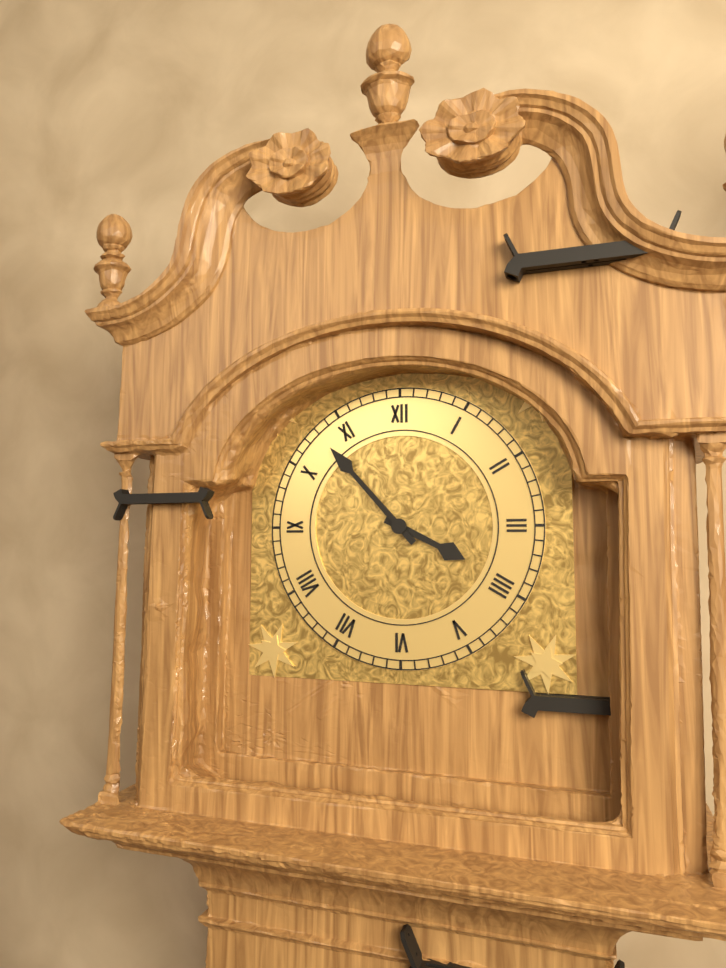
**3:53**
